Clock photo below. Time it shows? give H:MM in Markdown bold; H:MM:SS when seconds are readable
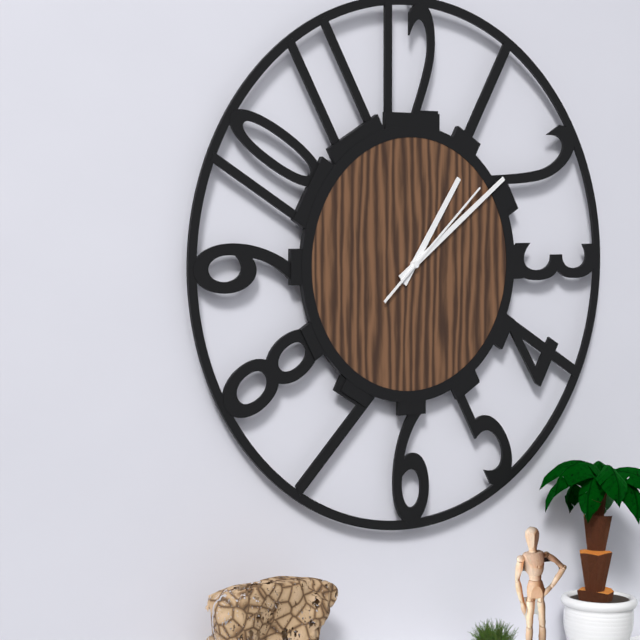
**1:09:08**
